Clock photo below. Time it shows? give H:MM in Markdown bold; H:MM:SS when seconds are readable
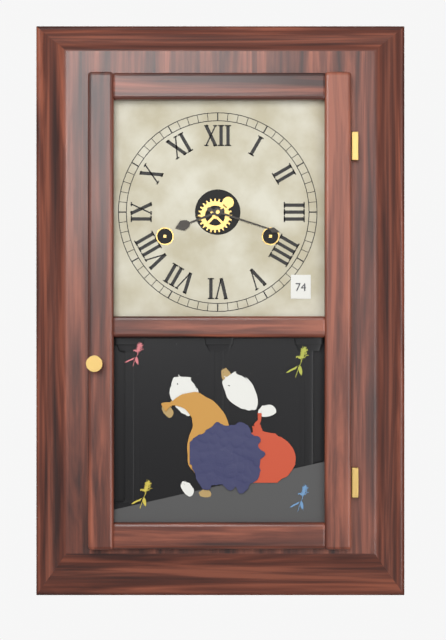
**8:18**
